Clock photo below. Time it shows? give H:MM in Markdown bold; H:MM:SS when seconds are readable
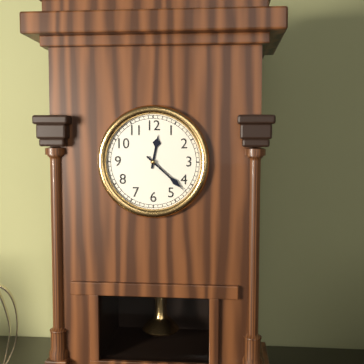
**12:22**
